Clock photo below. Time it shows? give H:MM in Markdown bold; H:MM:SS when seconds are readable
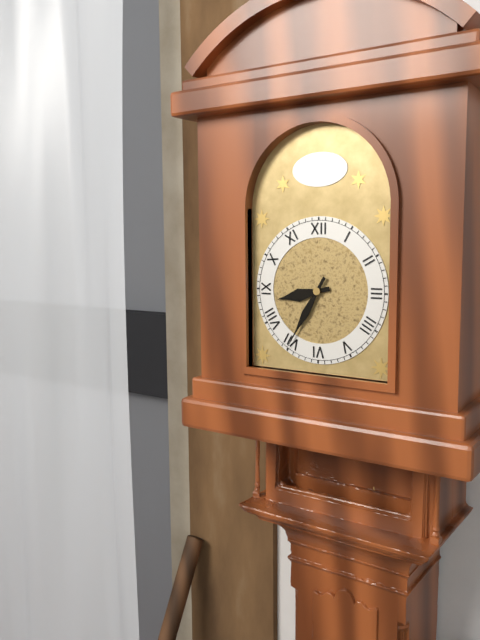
**8:35**
